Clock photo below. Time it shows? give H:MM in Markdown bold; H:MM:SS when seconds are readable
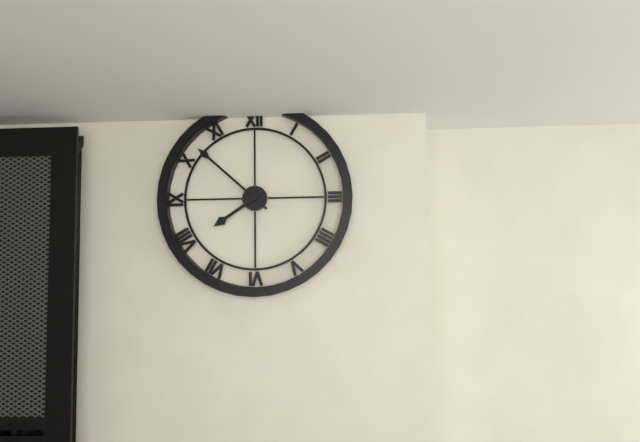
**7:52**
